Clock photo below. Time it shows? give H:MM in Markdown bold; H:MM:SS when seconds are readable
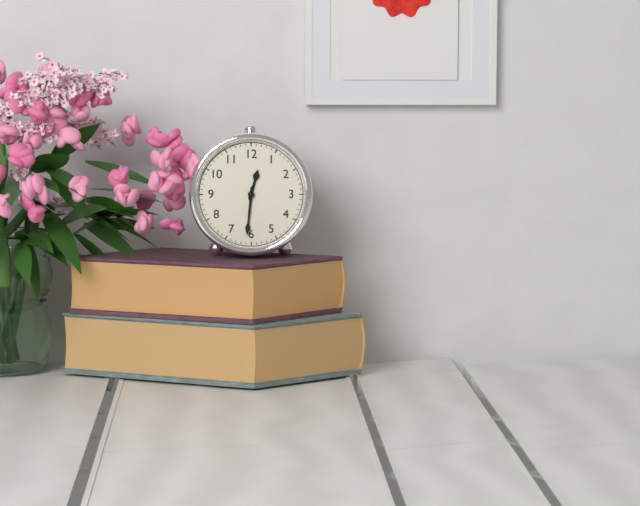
**12:31**
